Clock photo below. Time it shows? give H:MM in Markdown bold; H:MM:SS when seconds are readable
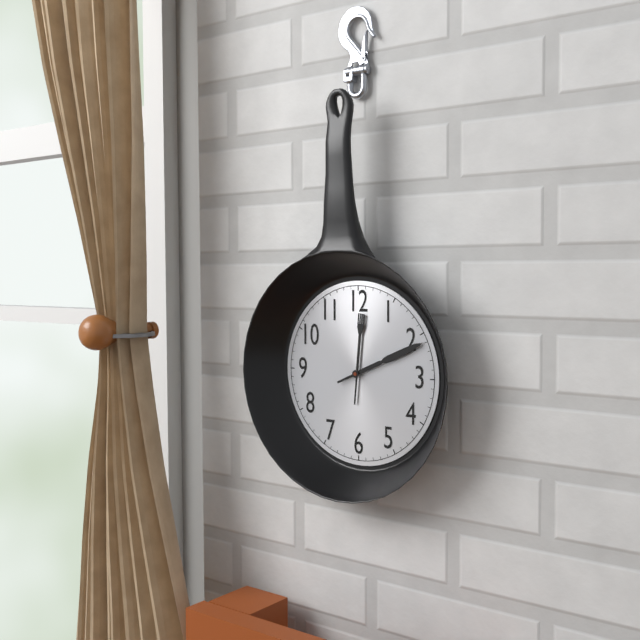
**12:11**
